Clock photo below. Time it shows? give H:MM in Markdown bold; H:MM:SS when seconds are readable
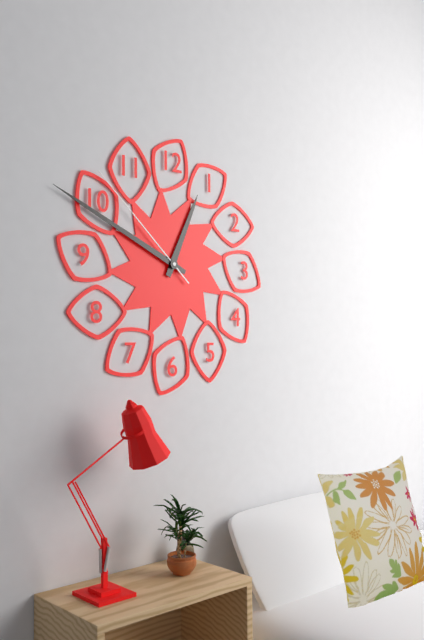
**12:49:52**
